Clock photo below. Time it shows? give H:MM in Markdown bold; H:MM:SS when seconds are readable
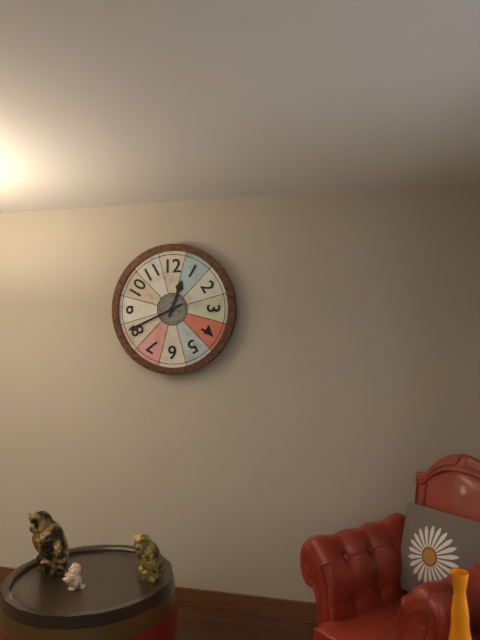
**12:41**
